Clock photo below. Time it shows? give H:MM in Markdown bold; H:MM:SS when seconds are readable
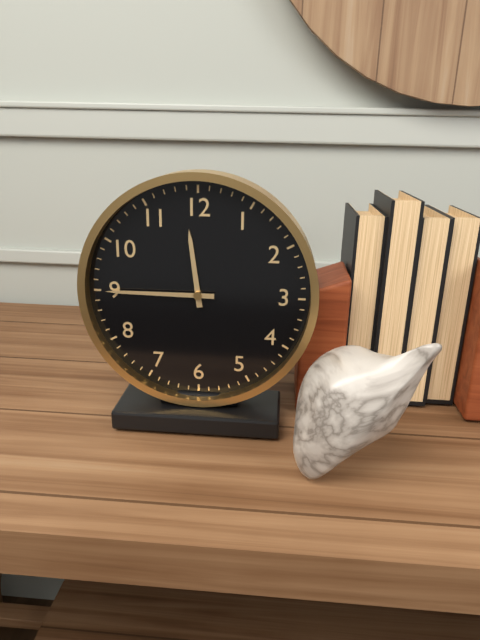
**11:45**
